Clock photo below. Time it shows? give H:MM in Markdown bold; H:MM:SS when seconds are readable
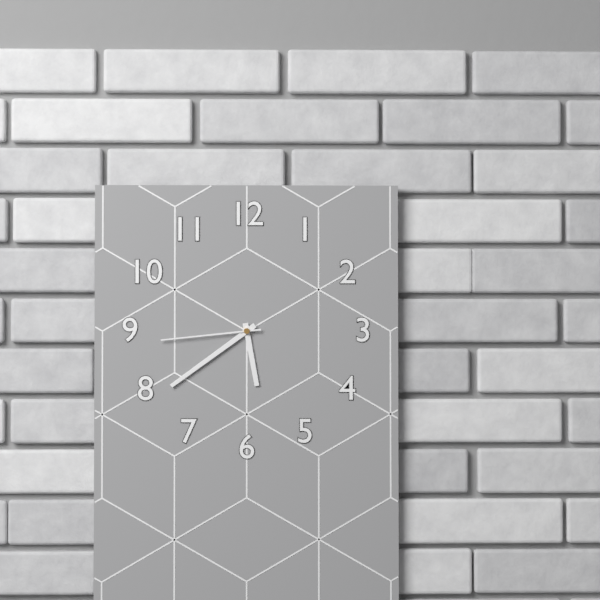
**5:39:44**
